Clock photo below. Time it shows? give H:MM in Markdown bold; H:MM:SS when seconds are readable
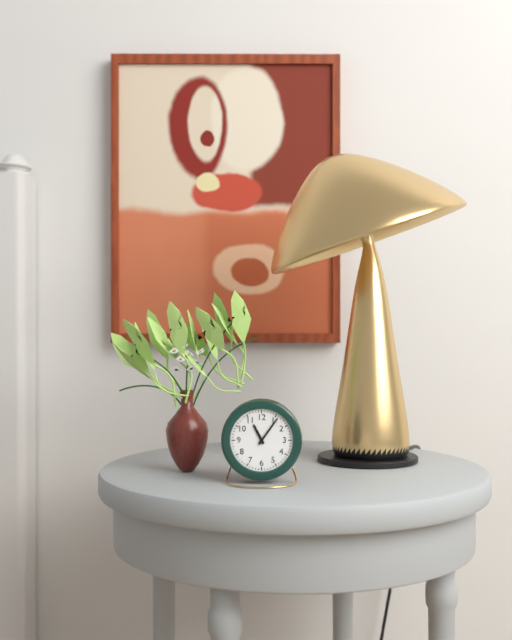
**11:06**
